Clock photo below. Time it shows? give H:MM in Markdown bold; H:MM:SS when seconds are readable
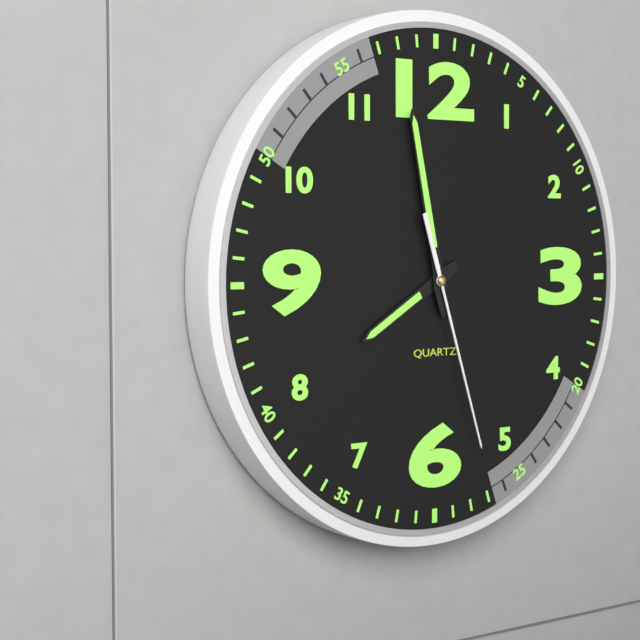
**7:58:27**
